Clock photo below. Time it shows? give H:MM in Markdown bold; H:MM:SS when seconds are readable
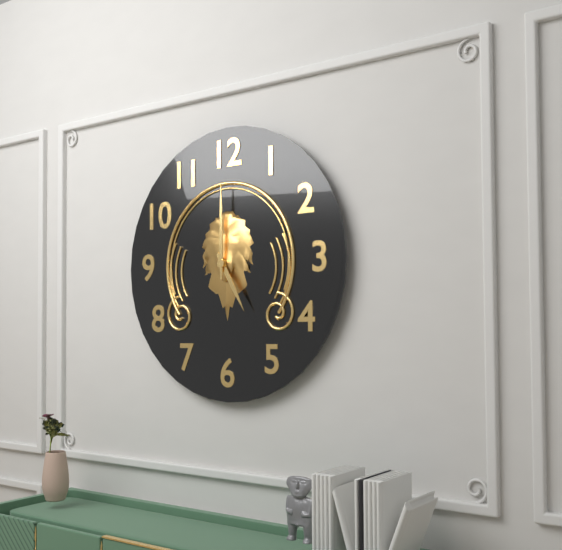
**5:00**
